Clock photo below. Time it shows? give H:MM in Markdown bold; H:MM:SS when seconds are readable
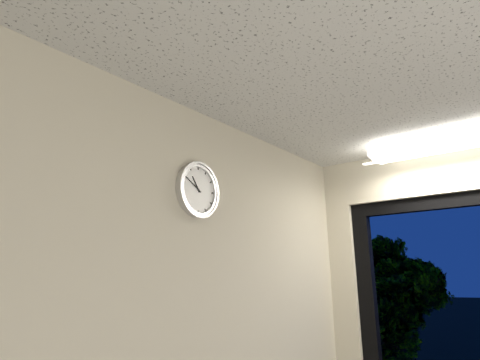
**10:50**
